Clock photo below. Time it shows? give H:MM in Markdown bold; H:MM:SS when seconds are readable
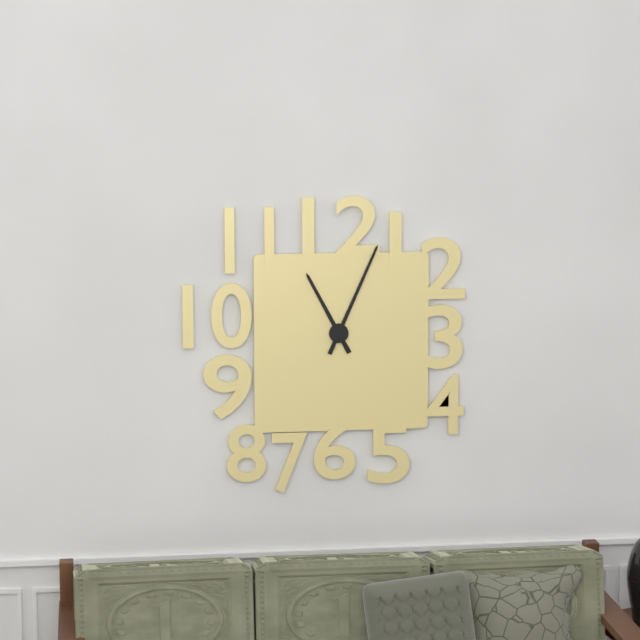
**11:04**
